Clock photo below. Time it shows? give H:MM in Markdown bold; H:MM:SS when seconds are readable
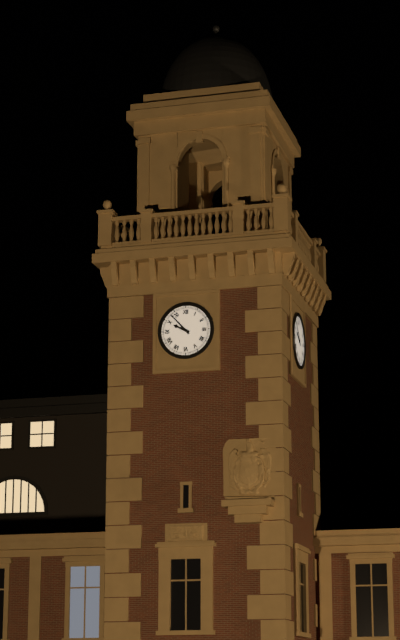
**9:53**
